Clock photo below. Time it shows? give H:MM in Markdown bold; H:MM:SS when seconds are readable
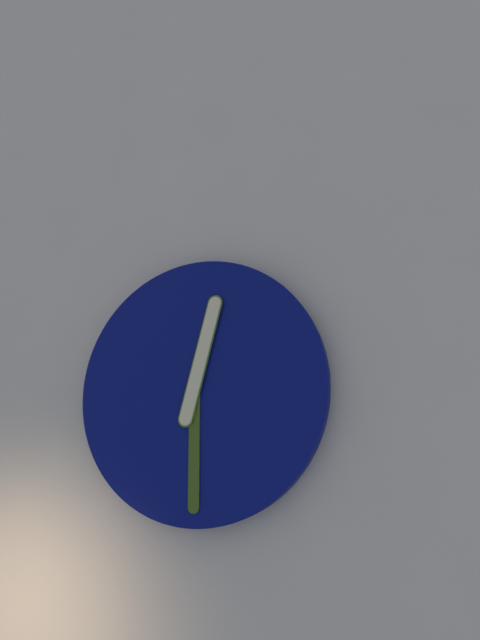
**12:30**
